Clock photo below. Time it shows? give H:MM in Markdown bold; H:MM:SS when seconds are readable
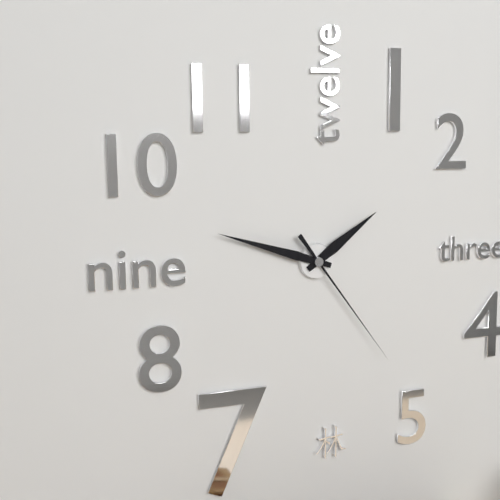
**1:48:24**
